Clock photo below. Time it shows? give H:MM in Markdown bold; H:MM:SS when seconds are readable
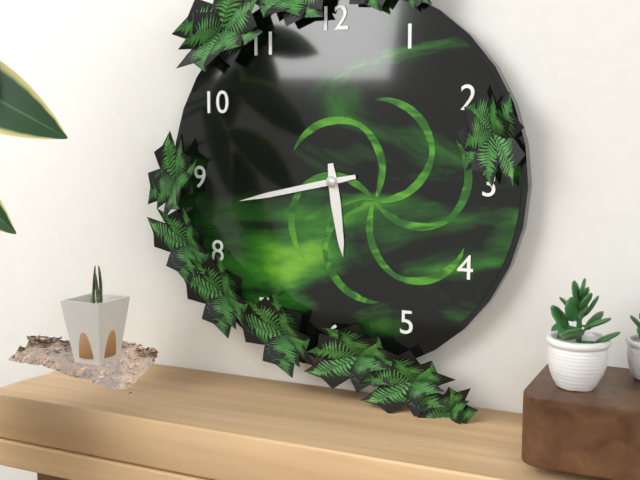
**5:43**
